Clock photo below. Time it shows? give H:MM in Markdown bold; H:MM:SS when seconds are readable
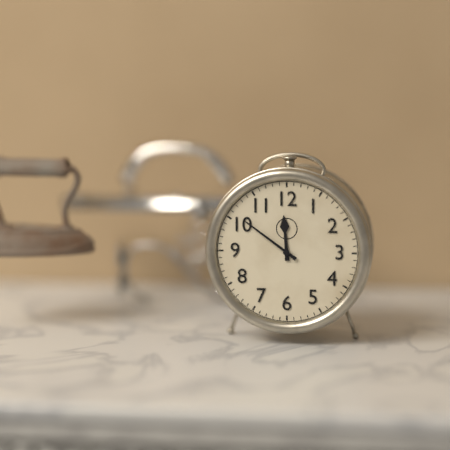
**11:51**
